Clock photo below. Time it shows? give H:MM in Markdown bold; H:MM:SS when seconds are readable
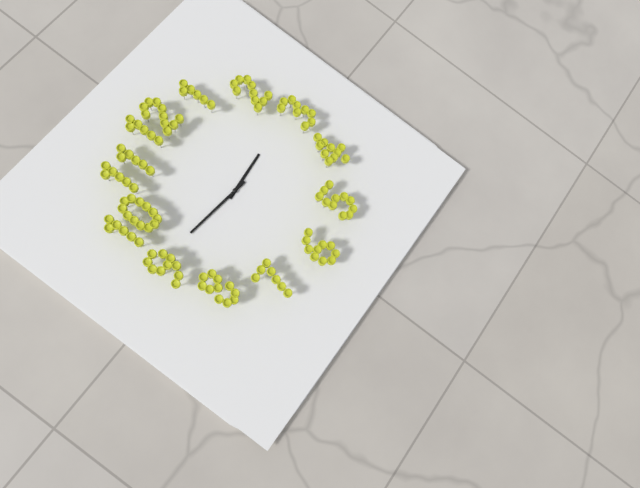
**2:46**
